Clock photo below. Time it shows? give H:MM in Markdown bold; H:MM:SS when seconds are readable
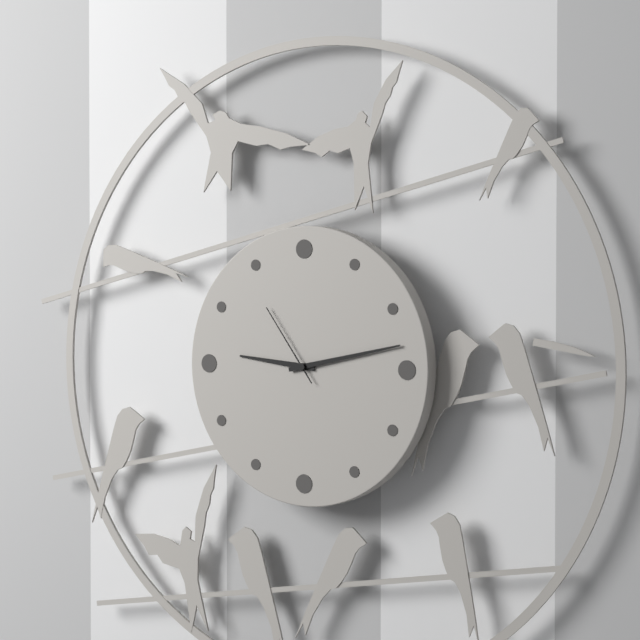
**9:13:54**
